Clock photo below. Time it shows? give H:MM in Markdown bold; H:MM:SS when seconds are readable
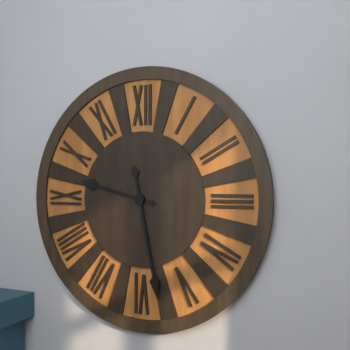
**9:28**
